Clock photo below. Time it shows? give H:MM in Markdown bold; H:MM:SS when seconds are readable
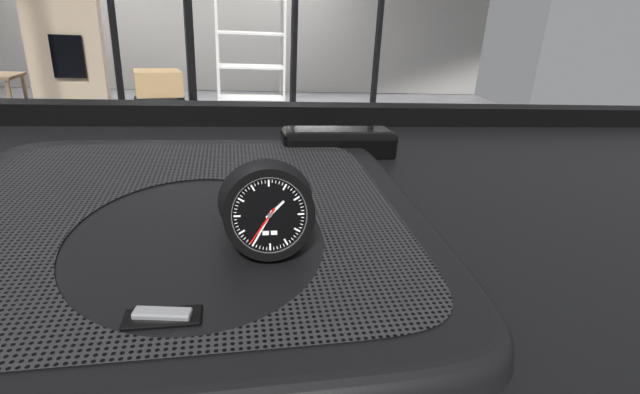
**1:35**
